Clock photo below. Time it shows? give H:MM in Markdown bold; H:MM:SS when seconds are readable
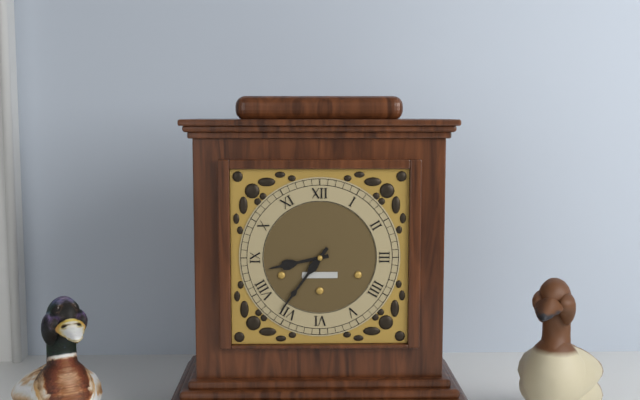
**8:36**
